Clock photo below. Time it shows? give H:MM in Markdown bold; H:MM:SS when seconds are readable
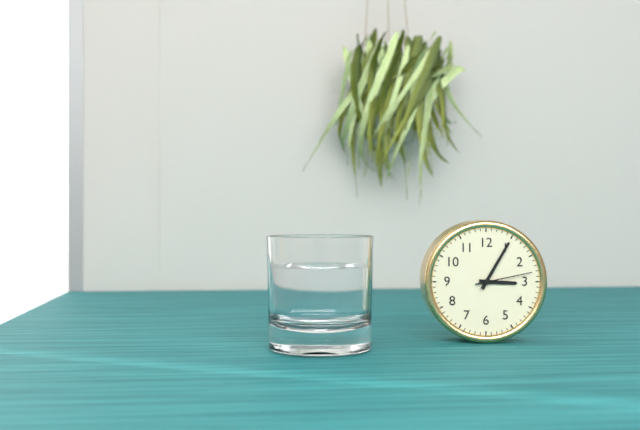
**3:05:13**
